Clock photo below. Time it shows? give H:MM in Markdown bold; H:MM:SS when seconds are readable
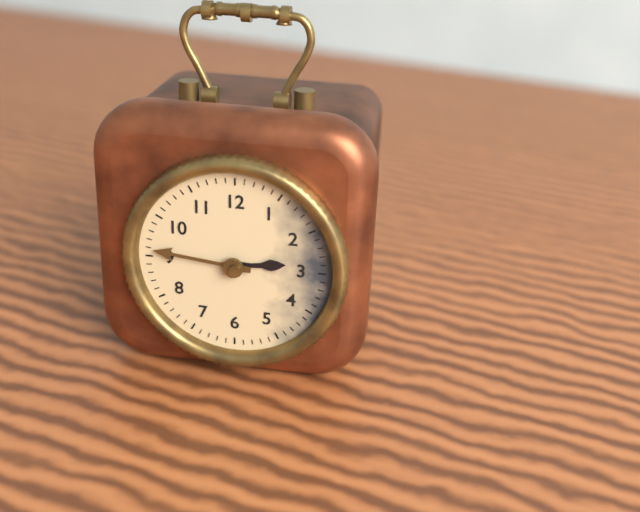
**2:46**
